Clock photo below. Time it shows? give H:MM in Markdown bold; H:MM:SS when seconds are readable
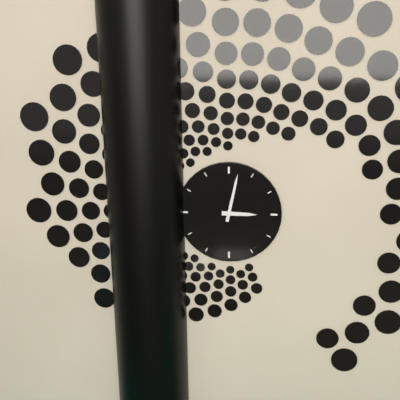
**3:02**
